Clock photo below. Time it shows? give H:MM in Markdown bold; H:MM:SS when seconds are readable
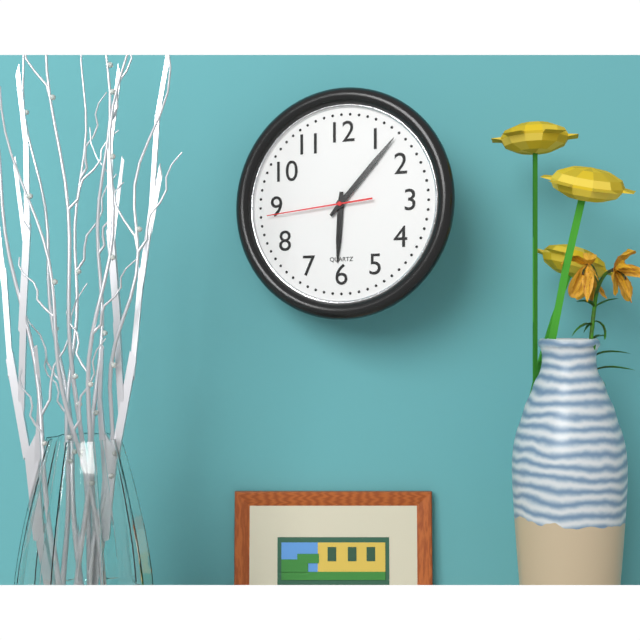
**6:07:44**
